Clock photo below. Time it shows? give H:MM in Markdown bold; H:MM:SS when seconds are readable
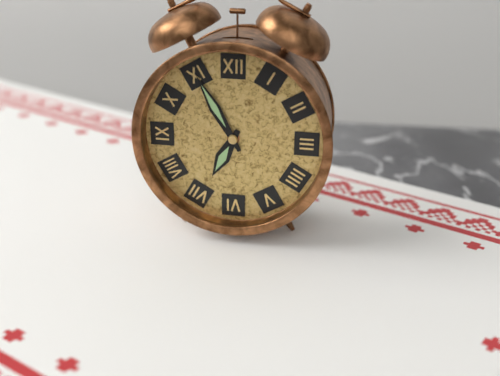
**6:55**
